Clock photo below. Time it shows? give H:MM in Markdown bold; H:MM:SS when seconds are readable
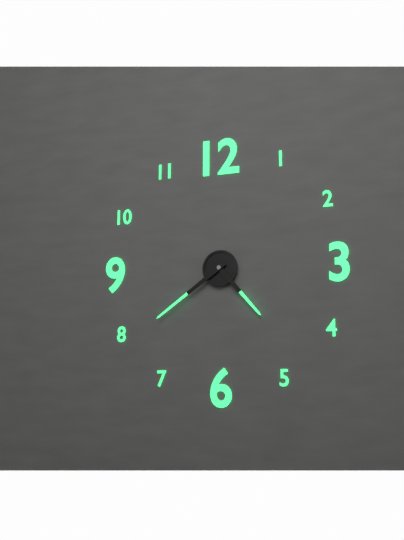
**4:39**
